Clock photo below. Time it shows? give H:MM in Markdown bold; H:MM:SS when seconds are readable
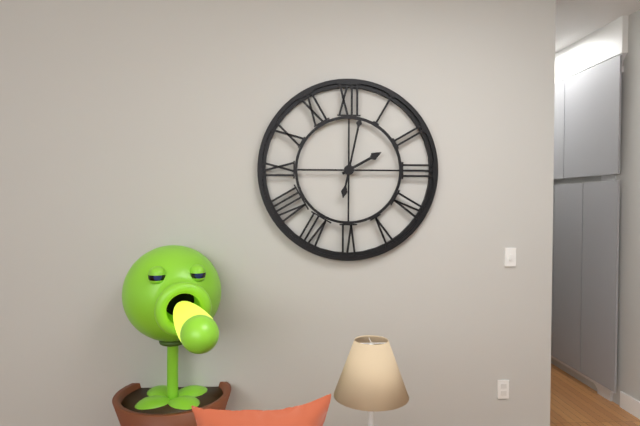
**2:02**
